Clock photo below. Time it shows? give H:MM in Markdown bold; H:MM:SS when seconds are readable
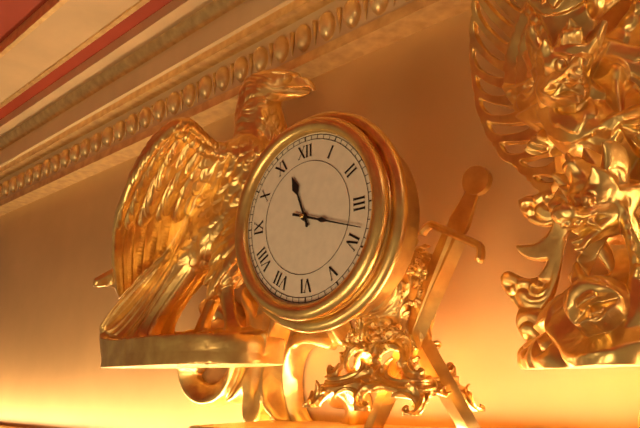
**11:18**
